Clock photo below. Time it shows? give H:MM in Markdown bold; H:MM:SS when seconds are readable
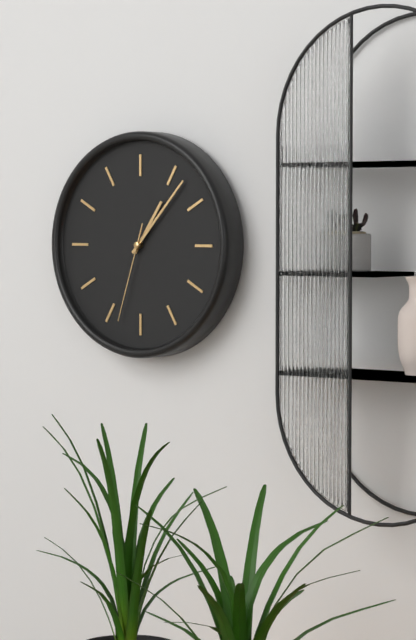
**1:07:33**
